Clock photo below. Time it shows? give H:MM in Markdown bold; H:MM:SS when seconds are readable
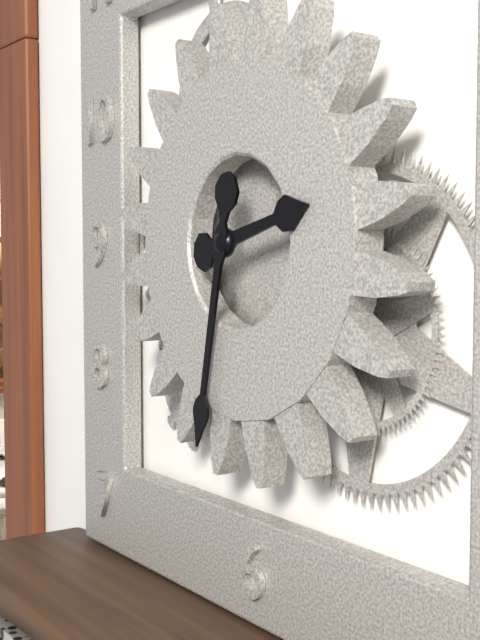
**2:32**
